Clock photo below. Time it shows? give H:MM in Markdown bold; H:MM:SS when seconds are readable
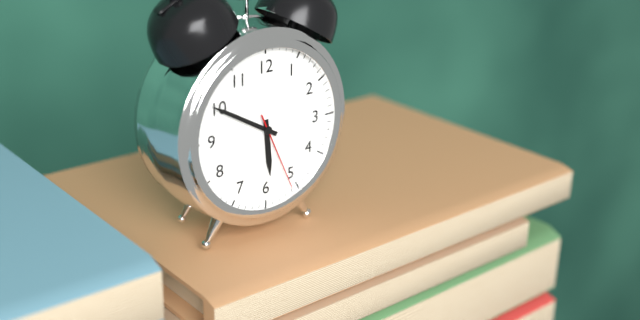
**5:50:26**
